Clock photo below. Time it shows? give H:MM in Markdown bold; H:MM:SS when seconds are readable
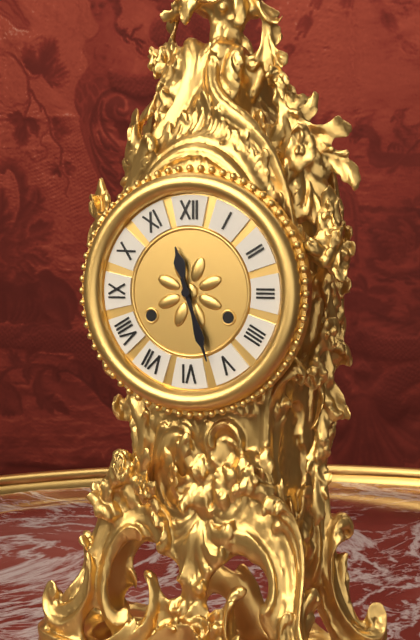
**11:27**
